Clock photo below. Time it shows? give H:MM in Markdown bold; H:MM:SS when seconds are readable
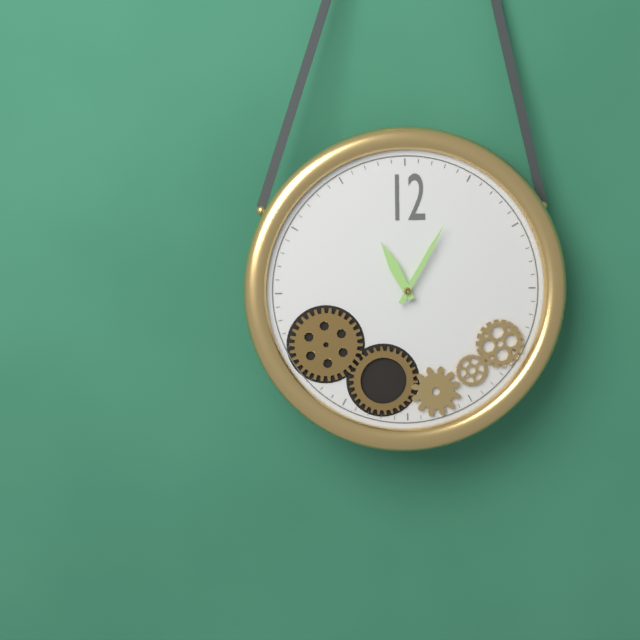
**11:05**
